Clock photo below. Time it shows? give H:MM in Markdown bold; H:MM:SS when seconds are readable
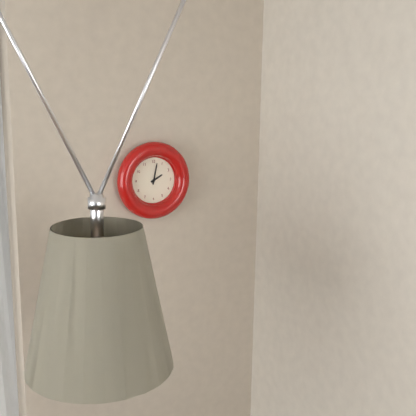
**2:02**
